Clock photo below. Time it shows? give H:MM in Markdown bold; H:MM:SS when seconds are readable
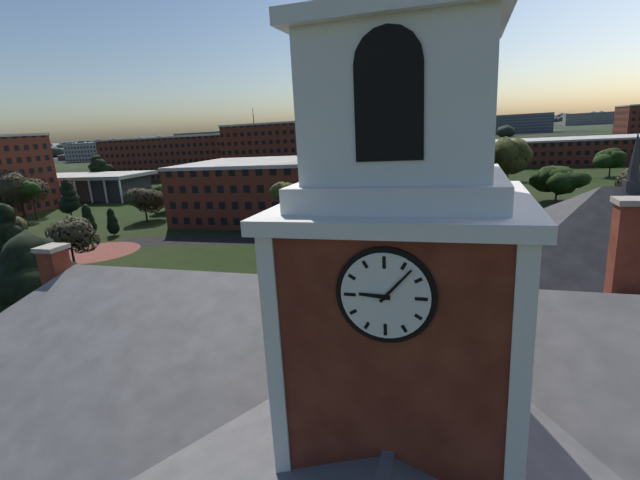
**9:07**
